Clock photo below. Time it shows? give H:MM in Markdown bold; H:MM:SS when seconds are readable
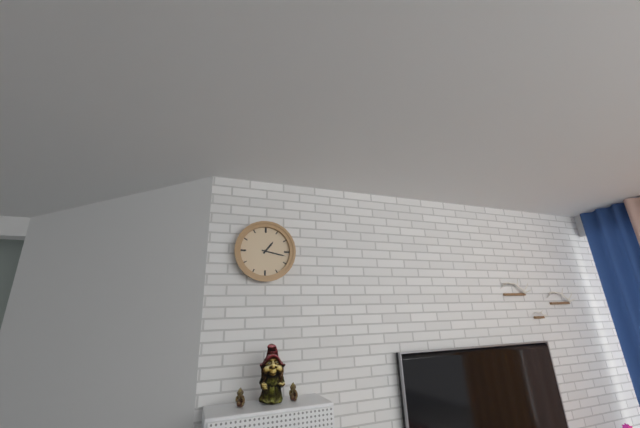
**1:17**
